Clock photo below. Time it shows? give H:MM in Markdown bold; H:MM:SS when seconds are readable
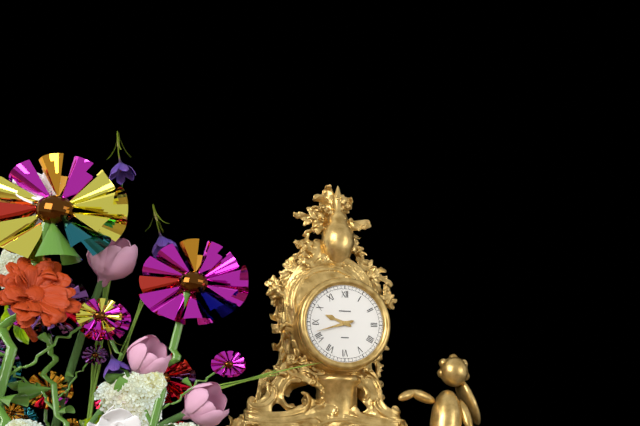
**9:42**
